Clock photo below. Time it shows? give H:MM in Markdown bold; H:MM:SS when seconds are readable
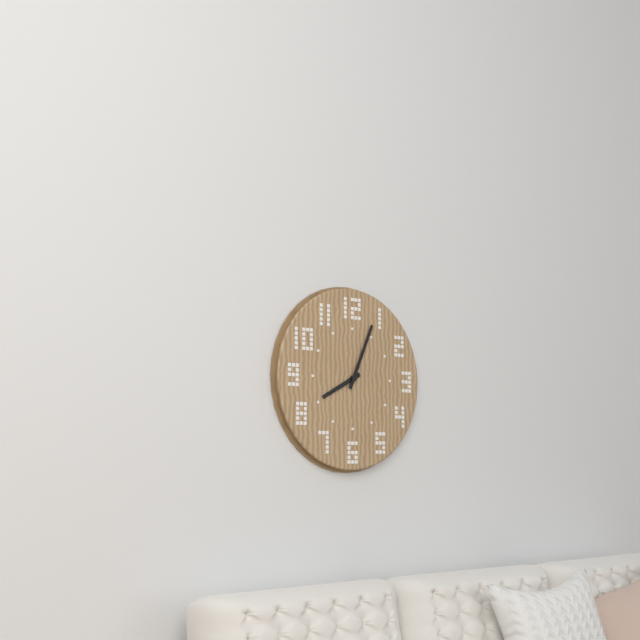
**8:04**
